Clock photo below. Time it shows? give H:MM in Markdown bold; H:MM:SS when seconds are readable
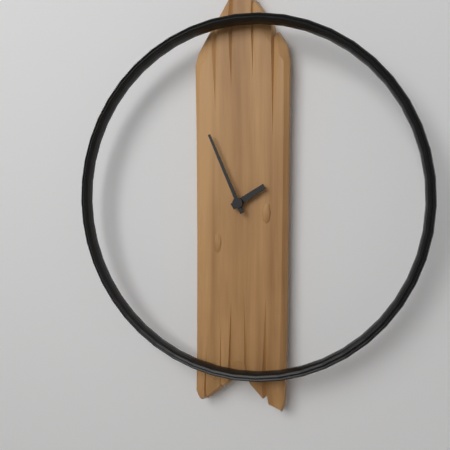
**1:56**
